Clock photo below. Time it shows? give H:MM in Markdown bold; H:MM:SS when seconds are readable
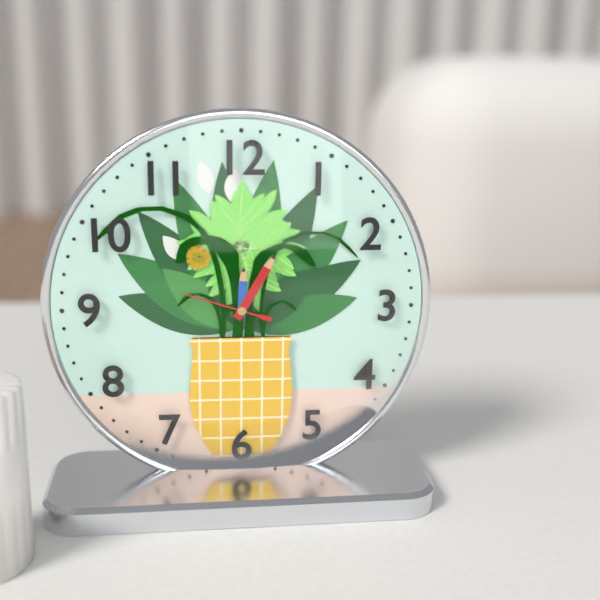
**12:05:48**
